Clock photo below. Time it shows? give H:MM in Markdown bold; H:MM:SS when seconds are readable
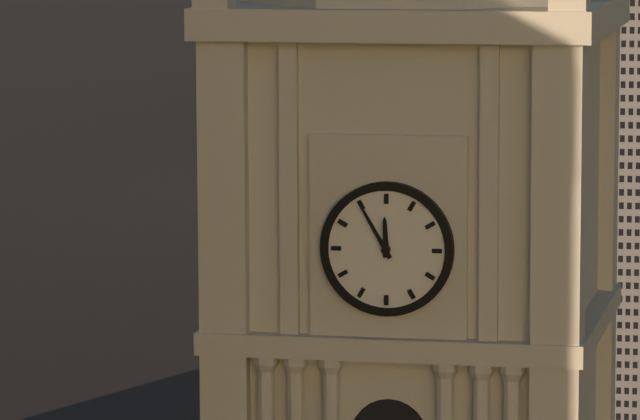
**11:55**
